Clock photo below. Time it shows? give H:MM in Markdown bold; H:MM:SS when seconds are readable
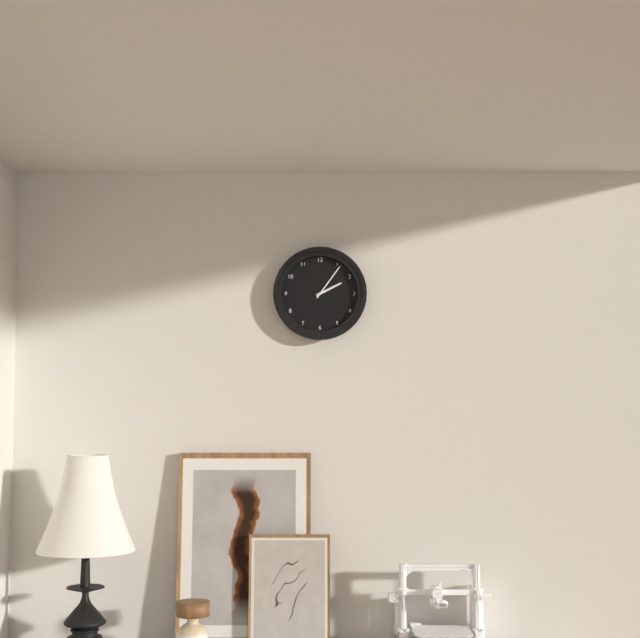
**2:06**
